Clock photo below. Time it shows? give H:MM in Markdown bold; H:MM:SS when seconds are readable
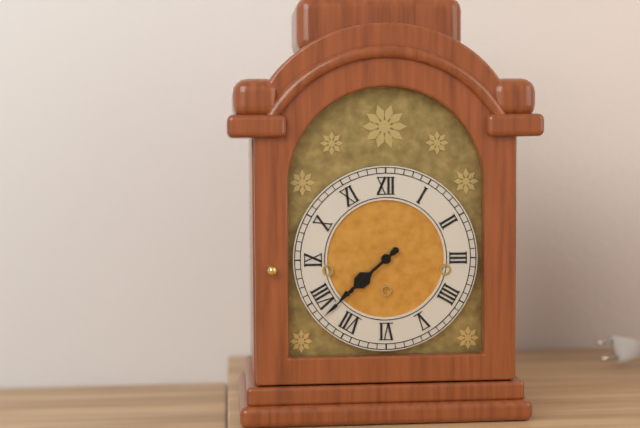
**7:38**
